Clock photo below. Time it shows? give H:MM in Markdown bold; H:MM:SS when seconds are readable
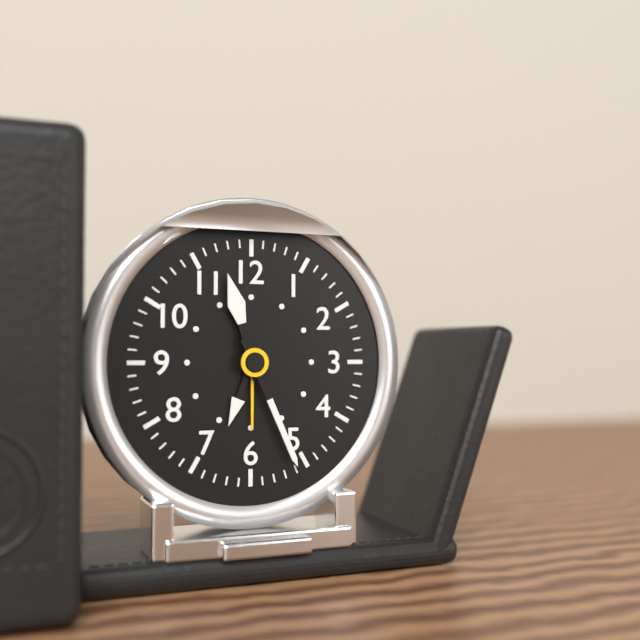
**11:26**
